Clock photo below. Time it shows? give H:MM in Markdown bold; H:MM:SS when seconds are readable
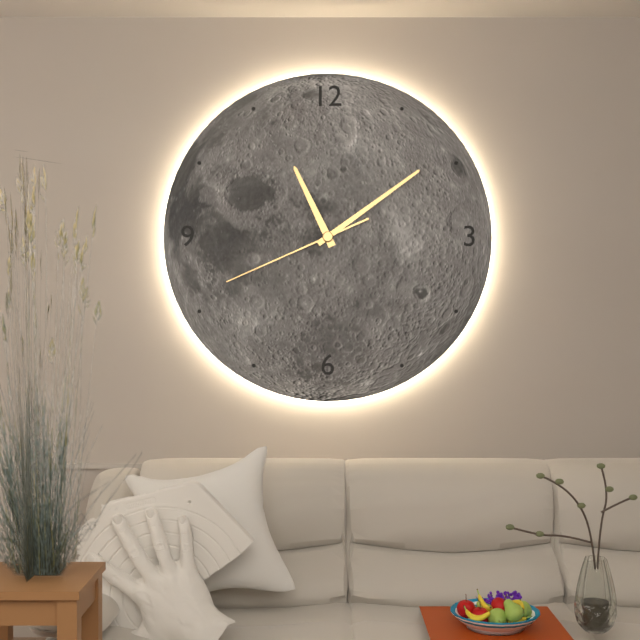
**11:09:41**
